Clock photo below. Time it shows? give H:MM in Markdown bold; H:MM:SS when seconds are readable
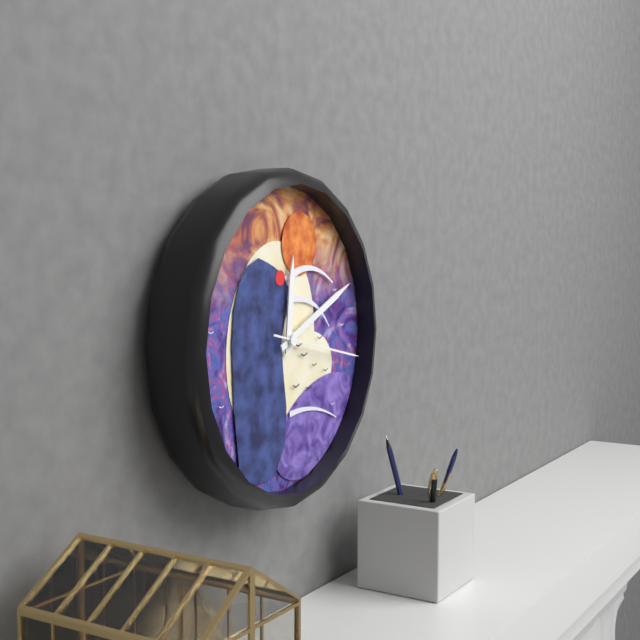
**12:11:17**
